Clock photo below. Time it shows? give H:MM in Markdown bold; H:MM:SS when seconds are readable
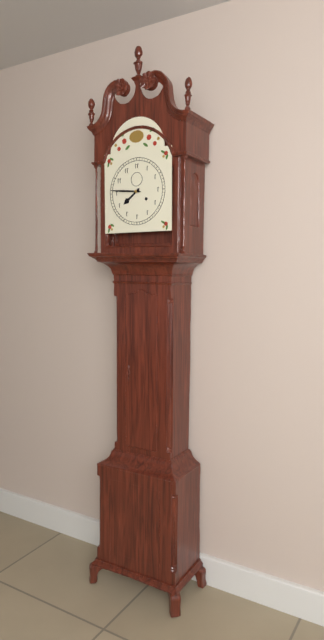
**7:46**
